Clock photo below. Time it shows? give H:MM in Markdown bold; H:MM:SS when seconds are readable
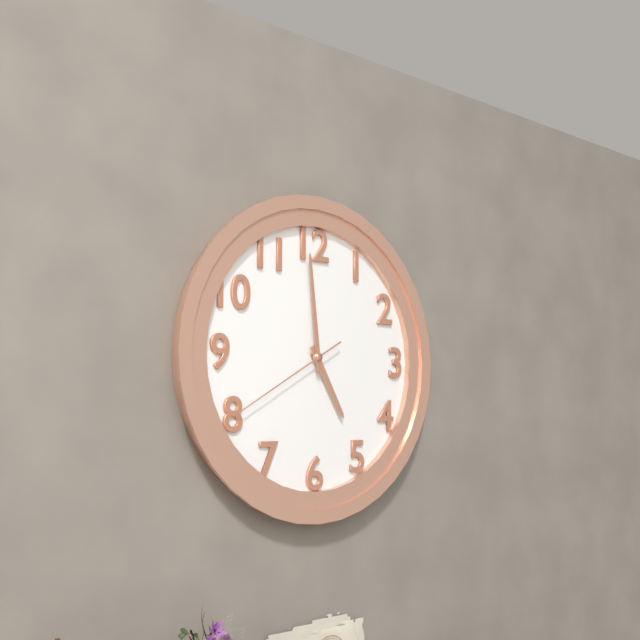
**4:59:40**
